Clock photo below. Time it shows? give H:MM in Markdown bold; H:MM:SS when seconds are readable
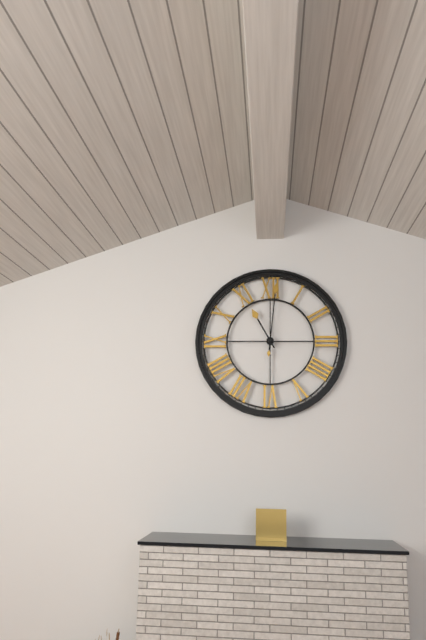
**11:01**
